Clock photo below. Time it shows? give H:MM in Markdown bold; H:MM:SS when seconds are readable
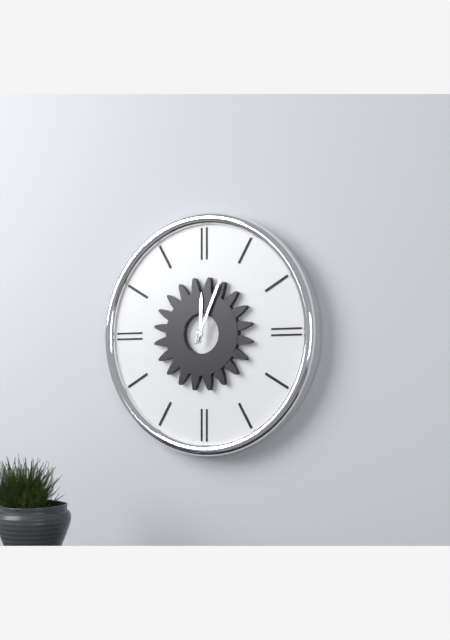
**12:04**
